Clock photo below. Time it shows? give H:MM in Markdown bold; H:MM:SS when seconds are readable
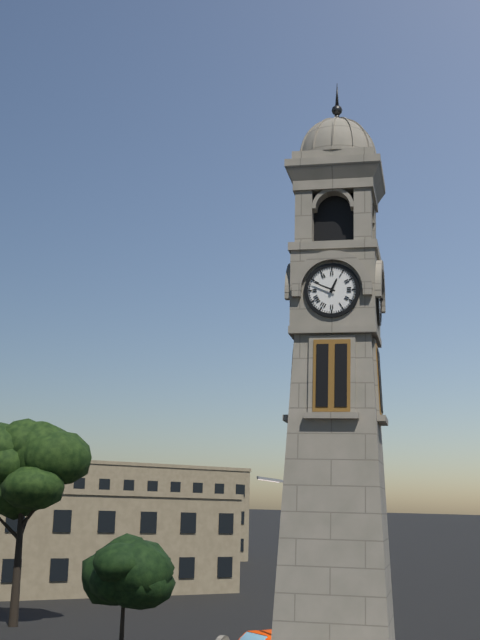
**12:49**
